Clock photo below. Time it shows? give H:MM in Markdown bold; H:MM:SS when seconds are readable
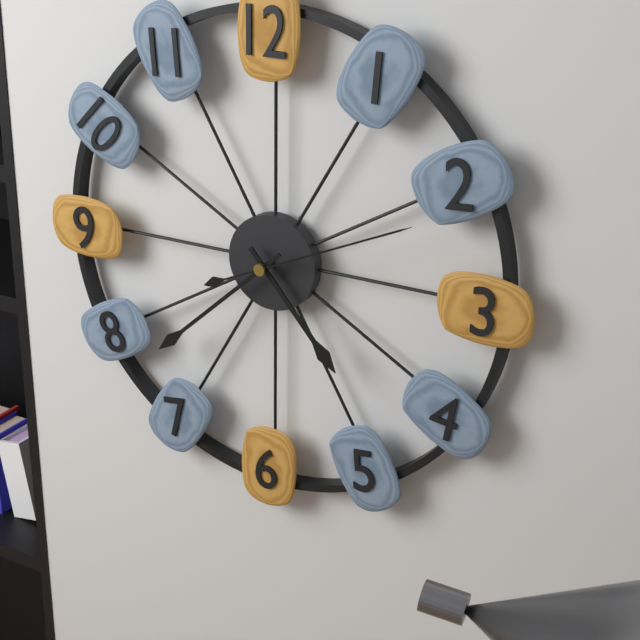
**4:38:11**
